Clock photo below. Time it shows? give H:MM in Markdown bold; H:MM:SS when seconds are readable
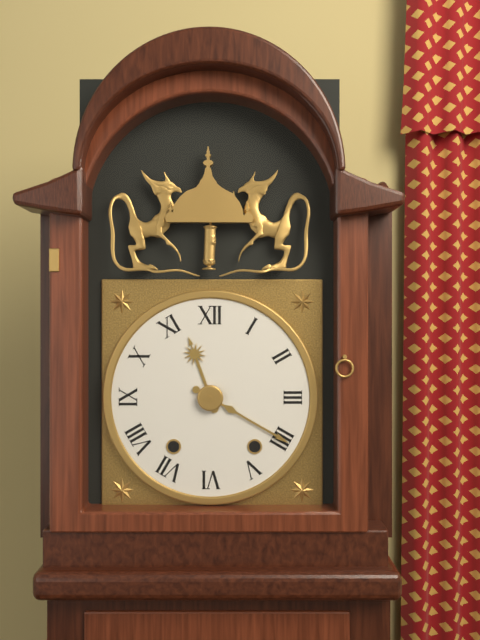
**11:20**
